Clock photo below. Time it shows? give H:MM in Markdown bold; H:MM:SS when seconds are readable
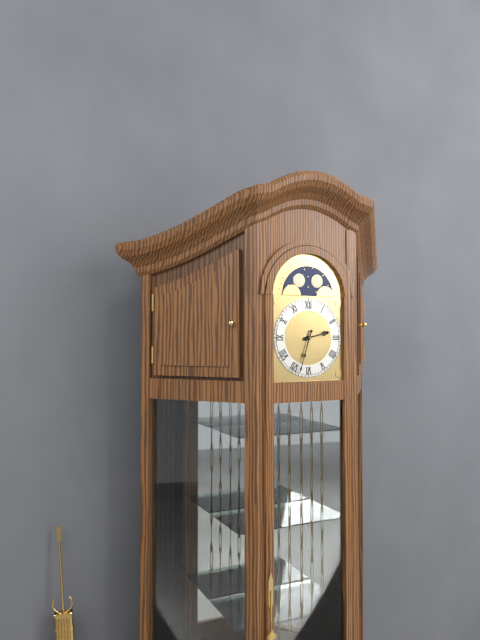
**2:33**
